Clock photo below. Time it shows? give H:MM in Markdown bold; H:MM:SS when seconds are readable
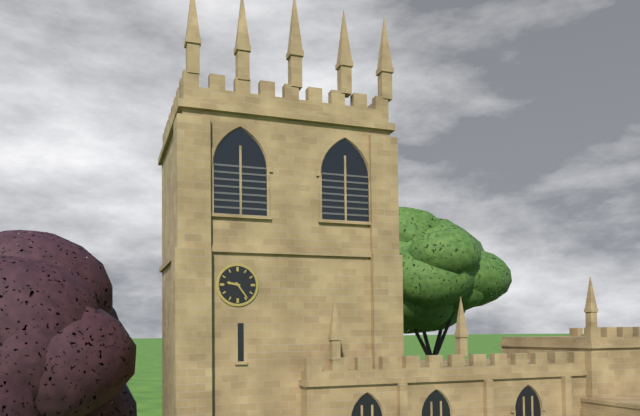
**9:24**
